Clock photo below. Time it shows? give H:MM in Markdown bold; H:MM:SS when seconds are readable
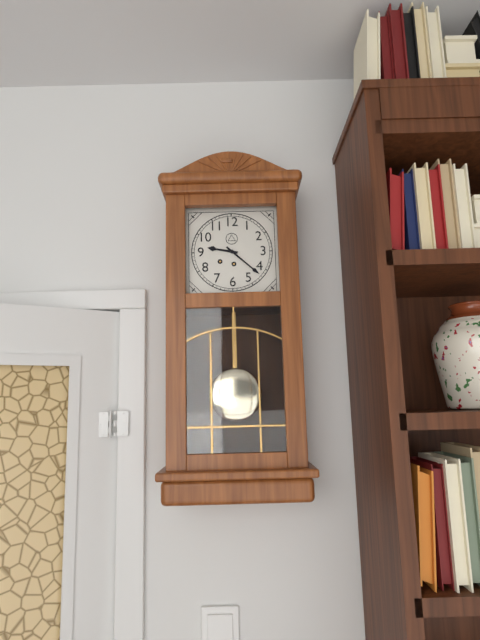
**9:22**
